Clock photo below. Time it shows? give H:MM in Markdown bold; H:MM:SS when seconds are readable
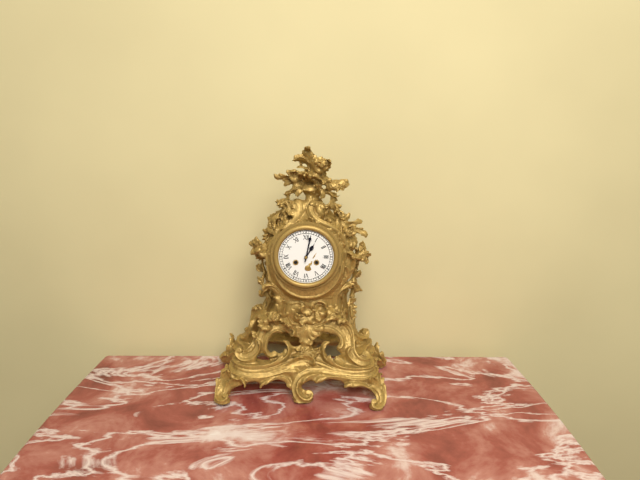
**1:02**
